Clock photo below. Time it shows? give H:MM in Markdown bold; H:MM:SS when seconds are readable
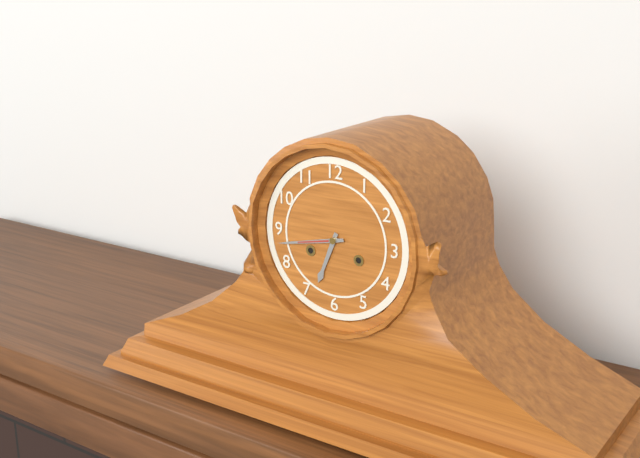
**6:43**
